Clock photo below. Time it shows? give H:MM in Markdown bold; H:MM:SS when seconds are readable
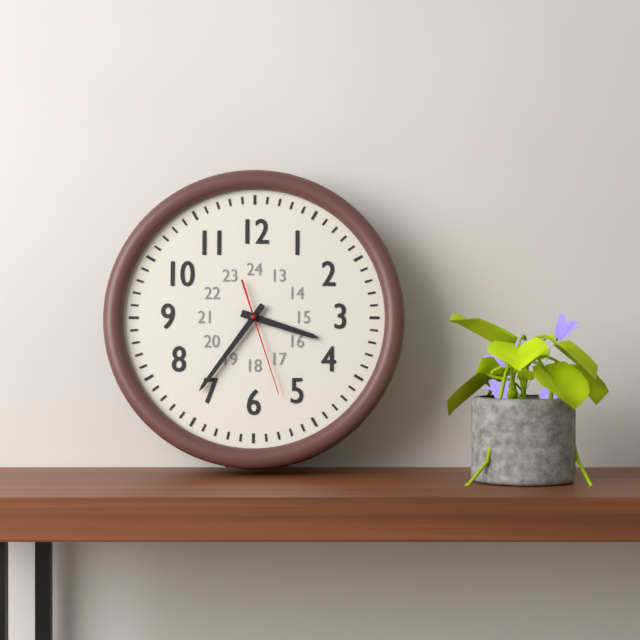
**3:36:27**
